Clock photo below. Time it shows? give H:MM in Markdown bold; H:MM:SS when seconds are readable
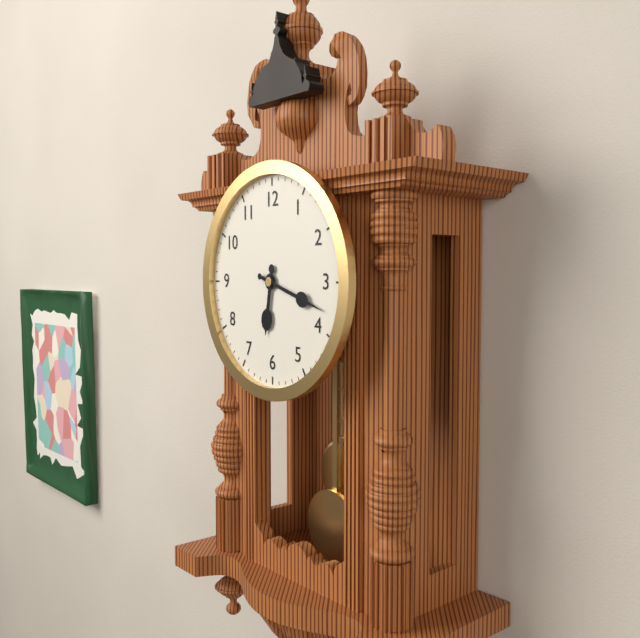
**6:18**
